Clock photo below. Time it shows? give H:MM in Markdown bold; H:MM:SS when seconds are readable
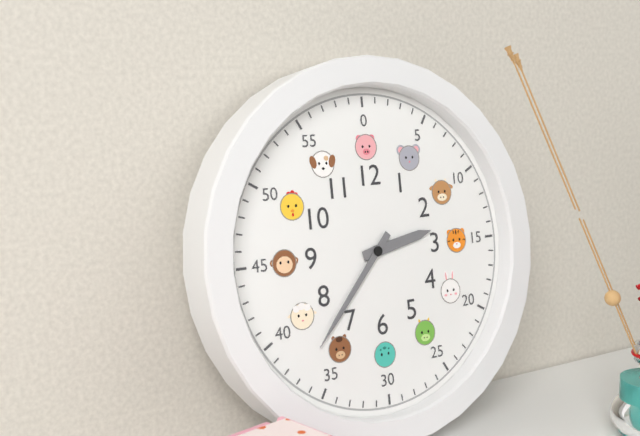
**2:37**
